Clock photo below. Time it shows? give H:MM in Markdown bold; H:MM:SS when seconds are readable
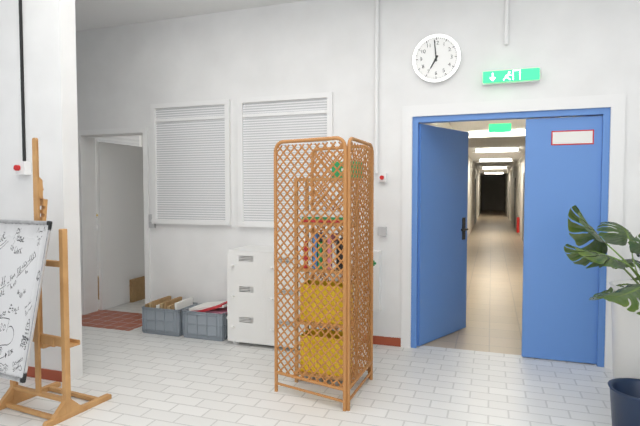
**6:59**
